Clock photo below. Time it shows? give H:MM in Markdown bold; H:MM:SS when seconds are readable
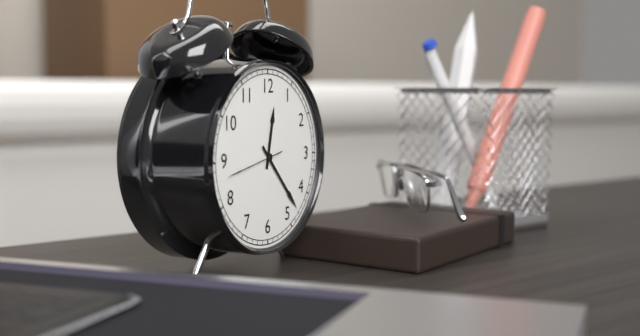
**12:23:43**
